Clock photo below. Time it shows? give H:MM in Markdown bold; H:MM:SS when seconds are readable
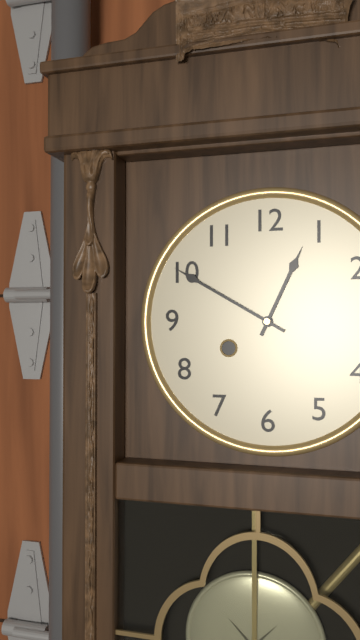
**12:50**
